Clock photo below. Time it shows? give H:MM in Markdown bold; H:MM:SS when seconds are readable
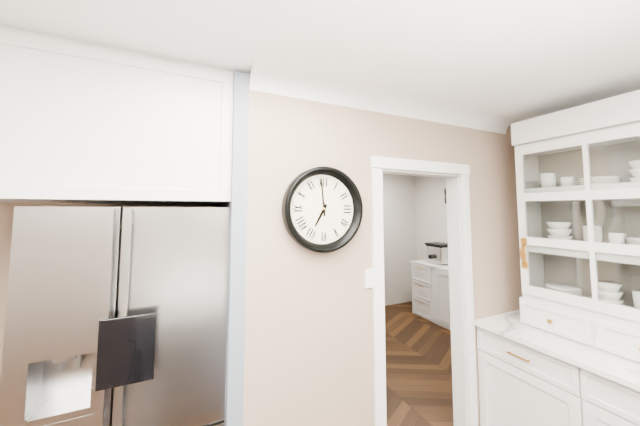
**6:59**
